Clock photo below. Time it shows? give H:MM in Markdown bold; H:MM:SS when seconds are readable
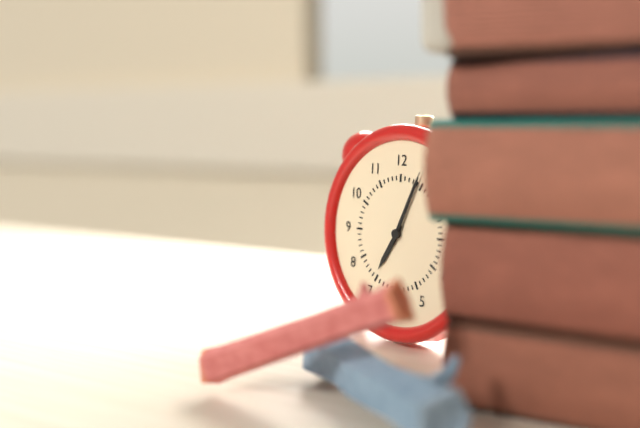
**7:04**
